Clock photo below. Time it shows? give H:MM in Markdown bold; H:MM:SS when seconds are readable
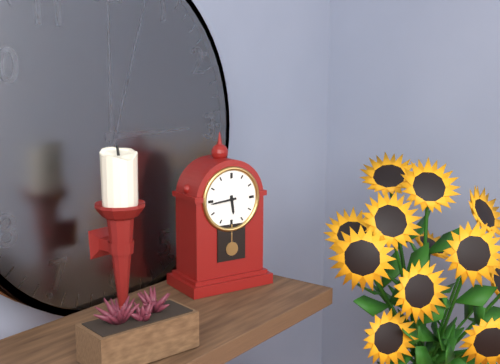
**5:44**
